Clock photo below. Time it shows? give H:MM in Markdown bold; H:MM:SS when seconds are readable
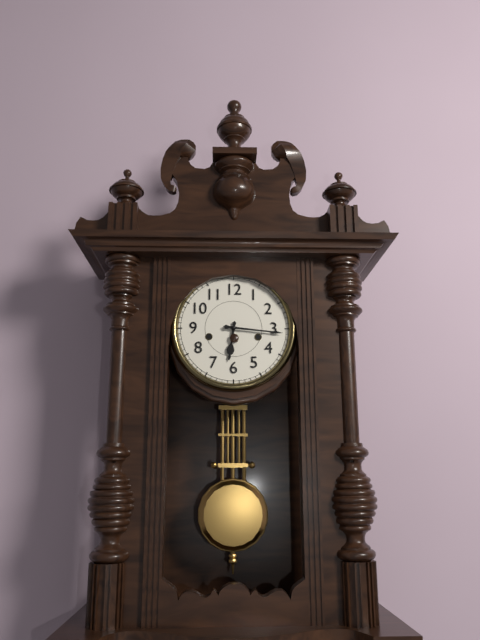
**6:16**
